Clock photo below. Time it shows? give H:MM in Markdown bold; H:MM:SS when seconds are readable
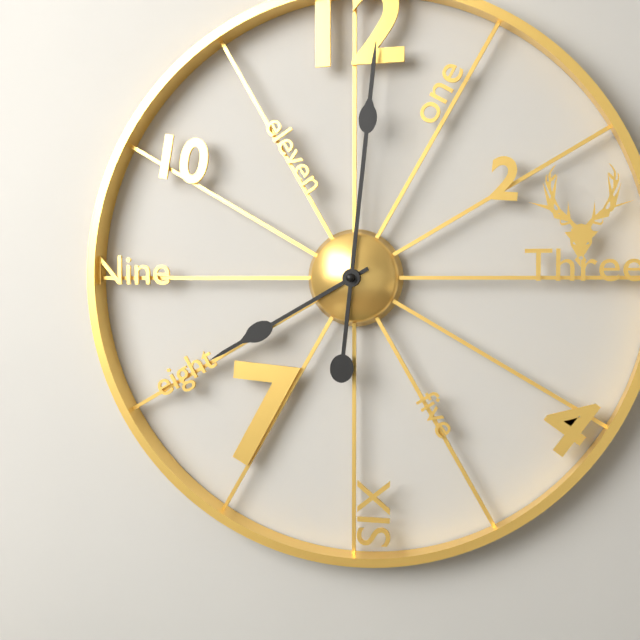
**8:01**
